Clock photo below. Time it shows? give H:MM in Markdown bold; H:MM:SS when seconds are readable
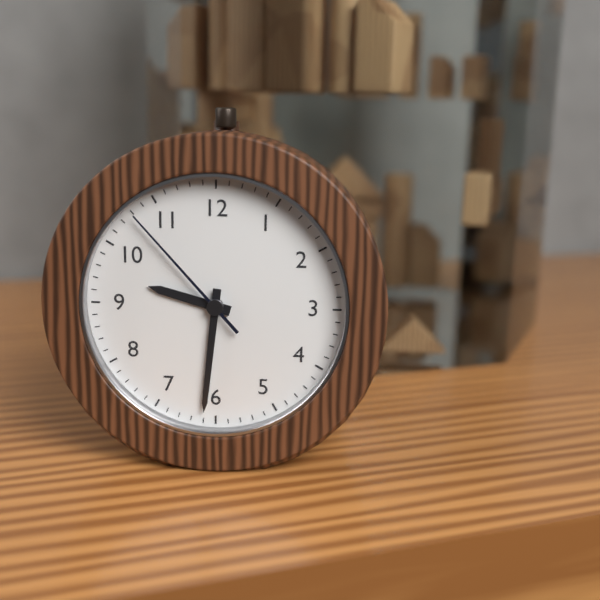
**9:31:53**
